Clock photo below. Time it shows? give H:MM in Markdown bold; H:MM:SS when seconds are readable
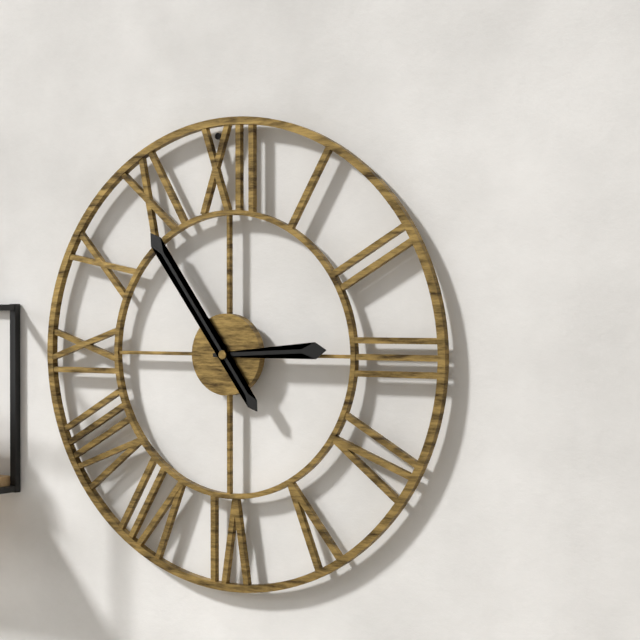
**2:54**
